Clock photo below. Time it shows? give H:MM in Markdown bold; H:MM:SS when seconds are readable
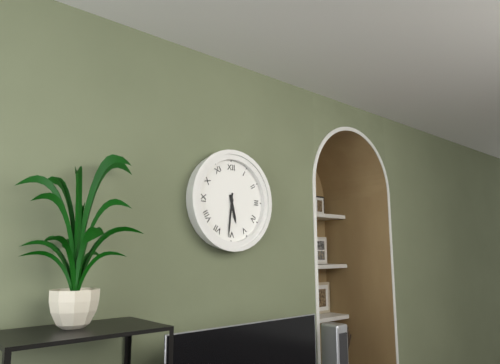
**5:31**
